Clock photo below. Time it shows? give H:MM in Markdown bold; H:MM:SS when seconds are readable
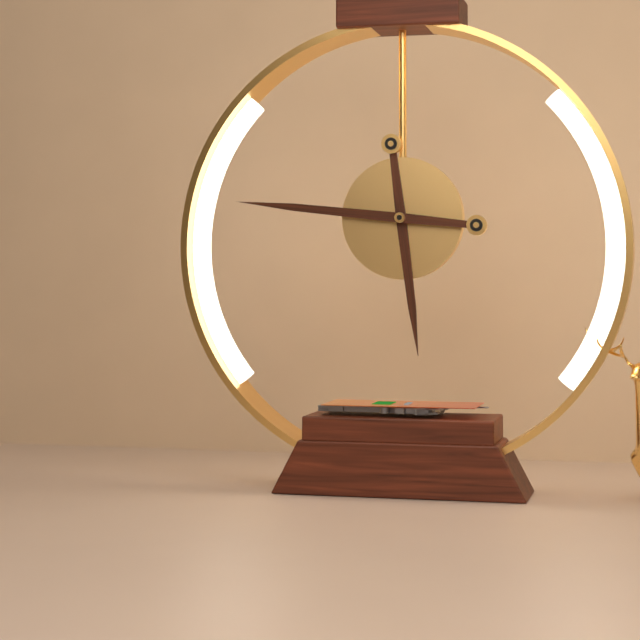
**5:46**
